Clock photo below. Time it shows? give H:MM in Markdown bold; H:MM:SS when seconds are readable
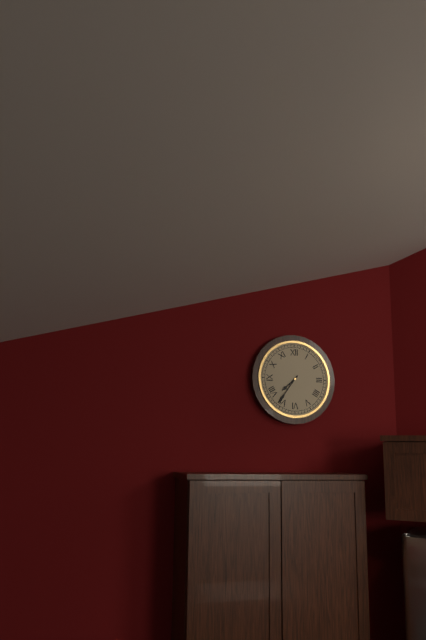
**7:36**
